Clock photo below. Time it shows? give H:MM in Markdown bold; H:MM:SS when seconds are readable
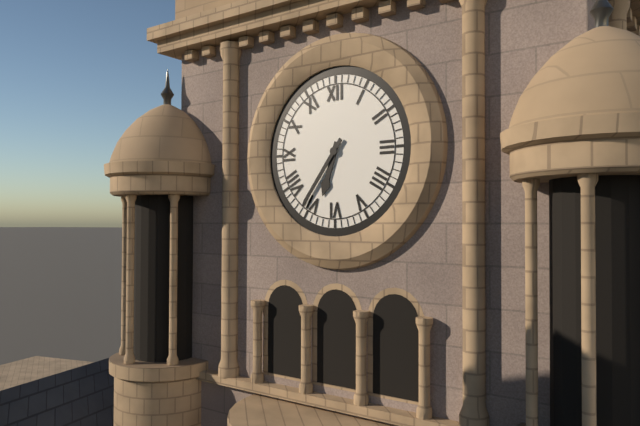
**6:36**
